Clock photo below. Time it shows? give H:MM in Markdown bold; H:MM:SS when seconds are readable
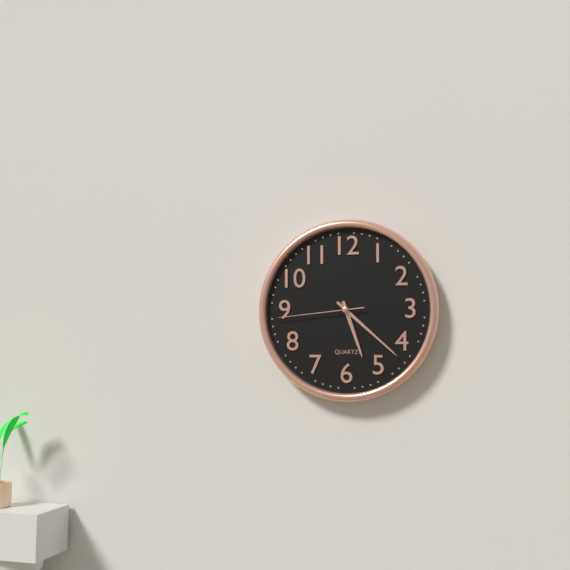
**5:22:44**
